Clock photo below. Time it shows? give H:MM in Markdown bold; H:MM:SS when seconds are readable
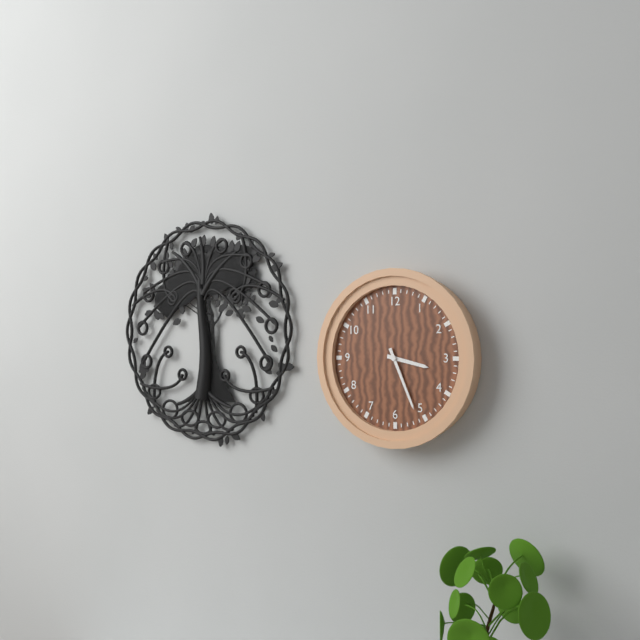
**3:26**
